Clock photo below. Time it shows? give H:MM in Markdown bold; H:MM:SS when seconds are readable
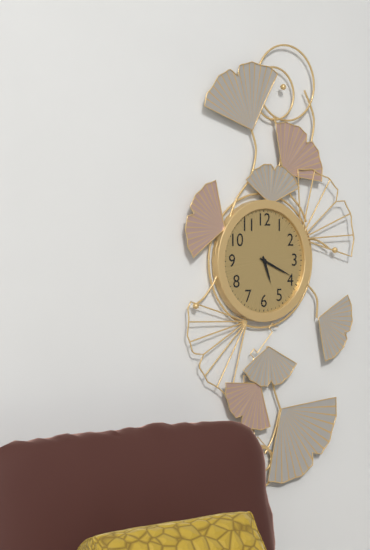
**5:19**
